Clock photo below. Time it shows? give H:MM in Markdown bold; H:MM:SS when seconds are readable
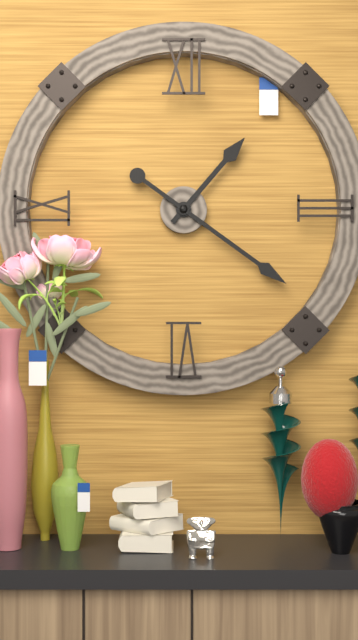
**1:21**
